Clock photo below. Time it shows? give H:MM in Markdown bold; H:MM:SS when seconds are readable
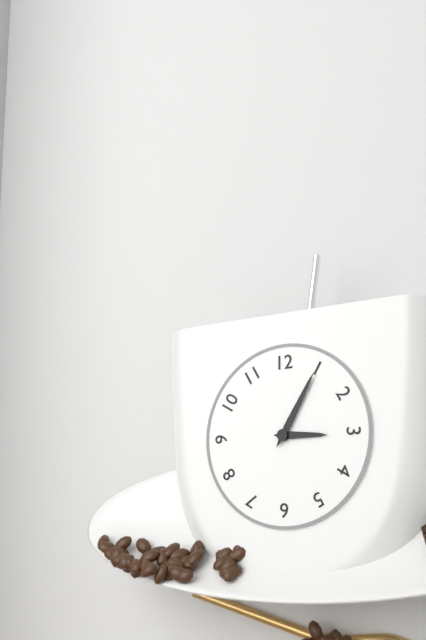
**3:05**
